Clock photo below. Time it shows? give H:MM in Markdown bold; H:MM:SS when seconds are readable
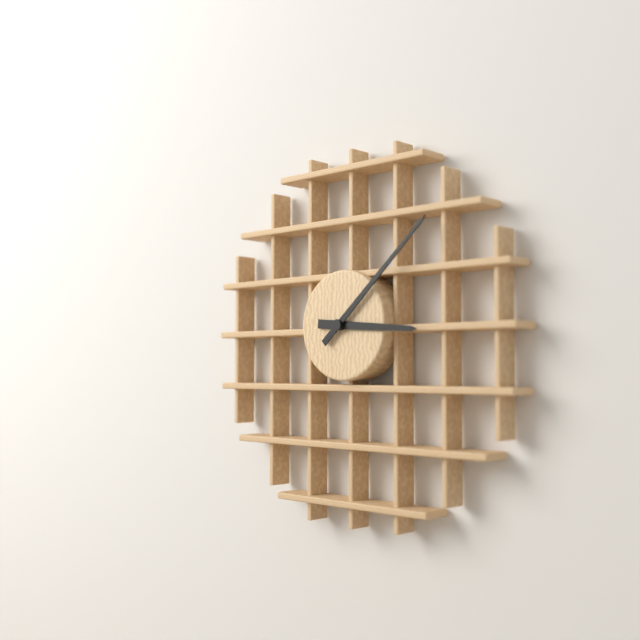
**3:08**
